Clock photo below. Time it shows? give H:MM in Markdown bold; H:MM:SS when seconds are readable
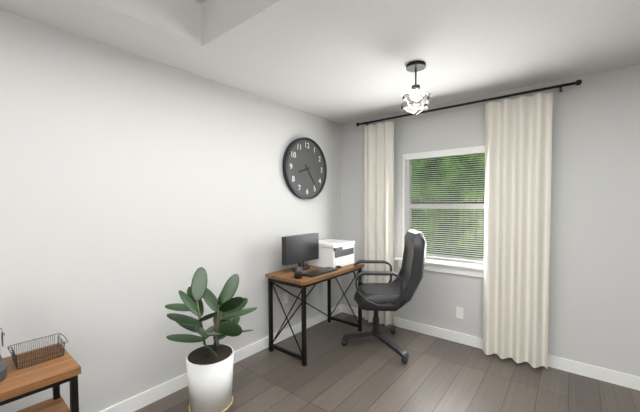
**8:24**
